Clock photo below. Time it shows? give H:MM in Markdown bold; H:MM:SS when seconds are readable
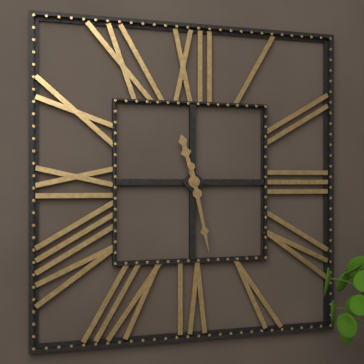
**11:28**
